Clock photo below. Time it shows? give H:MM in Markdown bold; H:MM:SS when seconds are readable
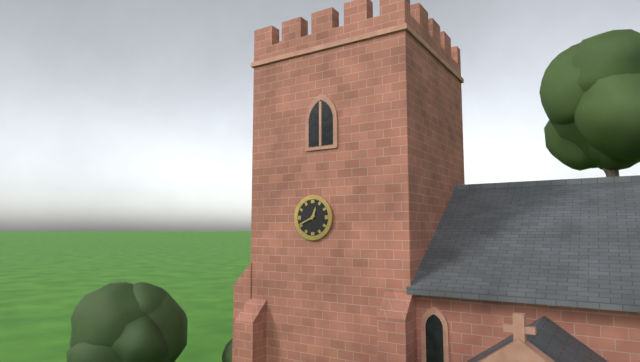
**12:41**
